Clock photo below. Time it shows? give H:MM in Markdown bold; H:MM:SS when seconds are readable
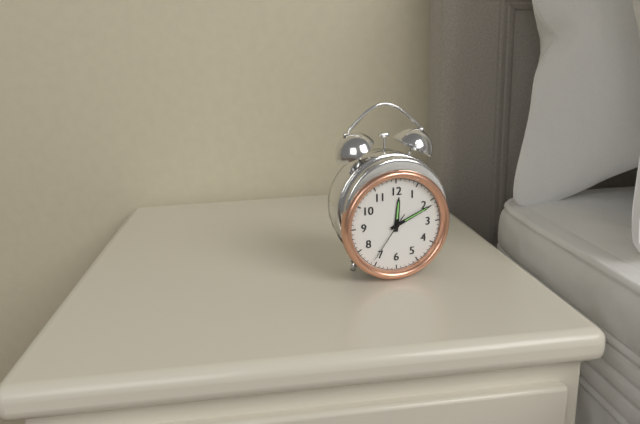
**12:11:36**
